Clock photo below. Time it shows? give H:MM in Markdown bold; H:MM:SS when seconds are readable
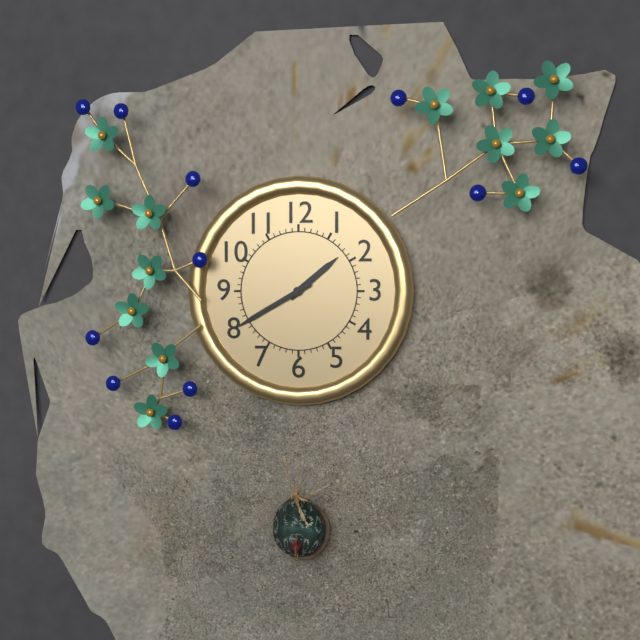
**1:40**
